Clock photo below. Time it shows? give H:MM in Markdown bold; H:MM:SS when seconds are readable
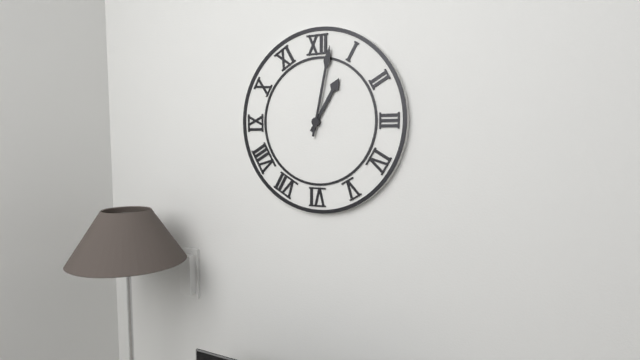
**1:02**
